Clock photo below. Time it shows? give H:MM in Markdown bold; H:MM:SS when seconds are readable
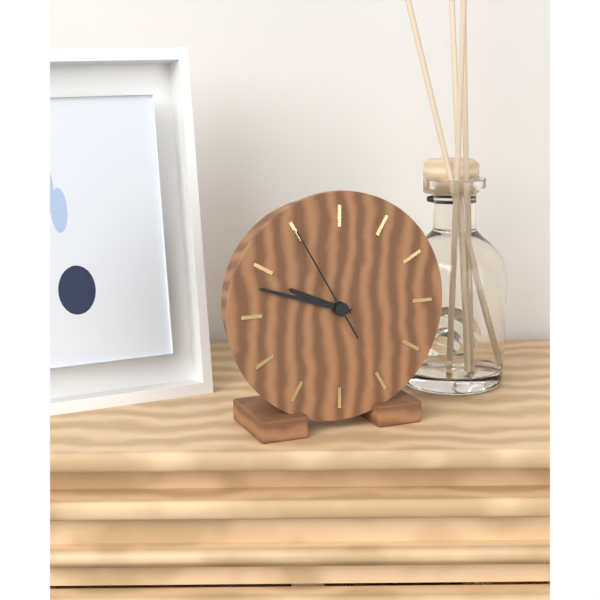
**9:48:55**
